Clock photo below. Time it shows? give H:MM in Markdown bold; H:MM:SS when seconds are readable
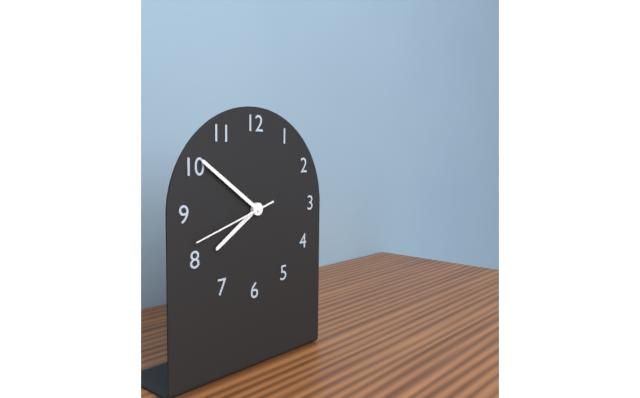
**7:51:42**
